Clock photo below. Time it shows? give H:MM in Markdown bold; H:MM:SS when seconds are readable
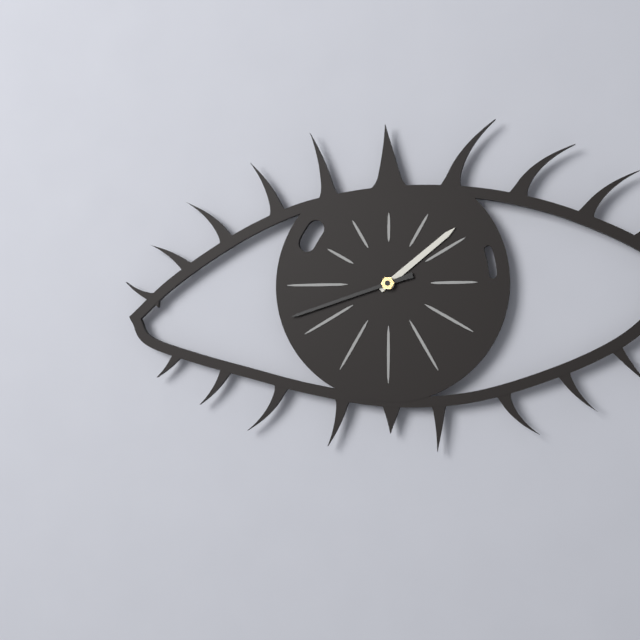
**1:42**
